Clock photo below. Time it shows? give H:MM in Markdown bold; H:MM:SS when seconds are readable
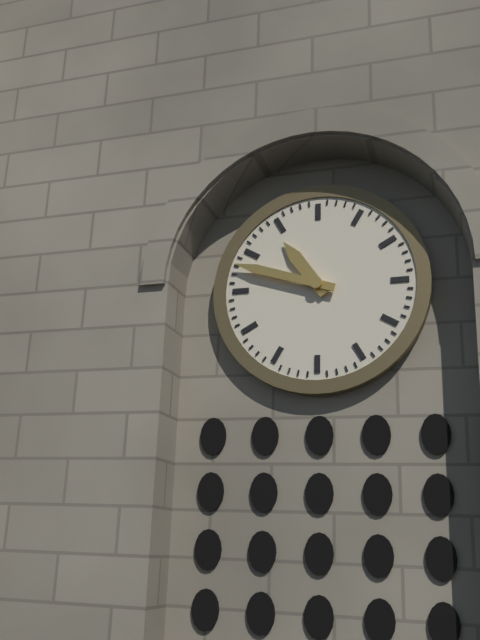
**10:48**
